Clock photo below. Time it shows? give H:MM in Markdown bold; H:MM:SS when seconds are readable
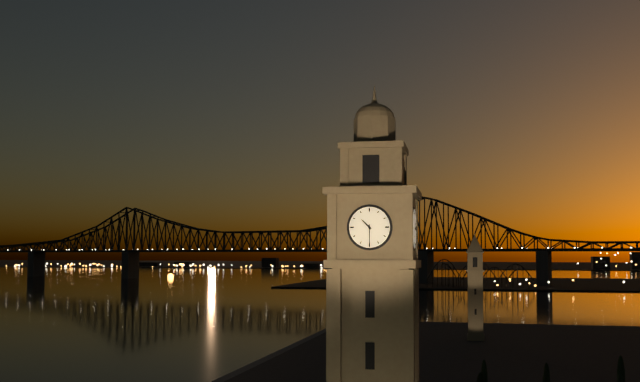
**10:30**
